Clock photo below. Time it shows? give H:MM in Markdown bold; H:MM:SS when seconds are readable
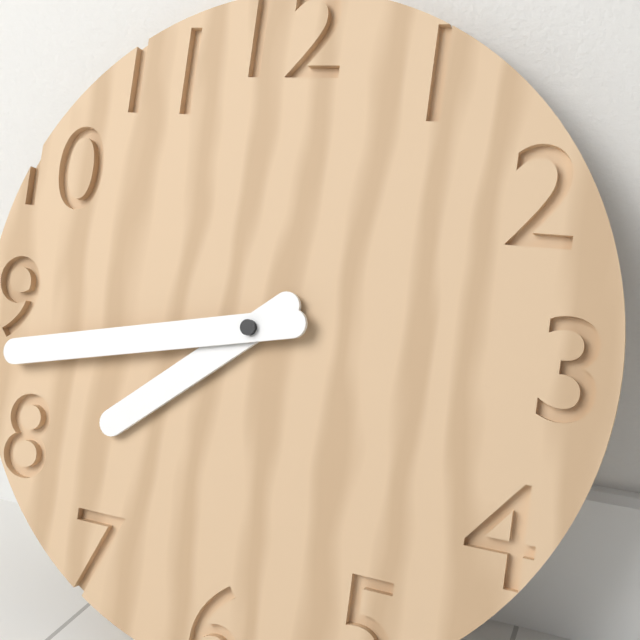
**7:43**
